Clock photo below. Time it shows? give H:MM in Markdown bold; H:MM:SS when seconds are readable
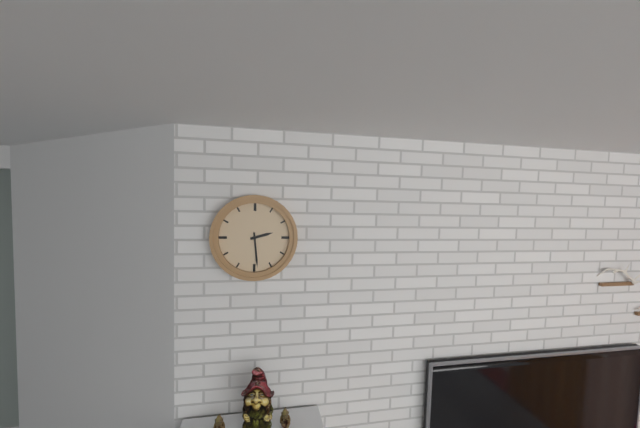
**2:29**
